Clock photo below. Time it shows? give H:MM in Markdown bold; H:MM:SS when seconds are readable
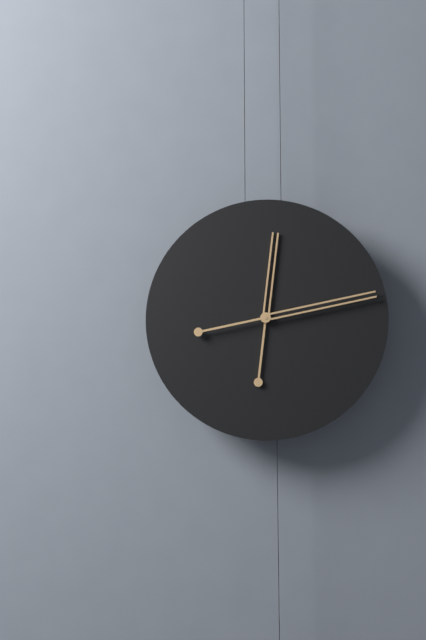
**12:13**
